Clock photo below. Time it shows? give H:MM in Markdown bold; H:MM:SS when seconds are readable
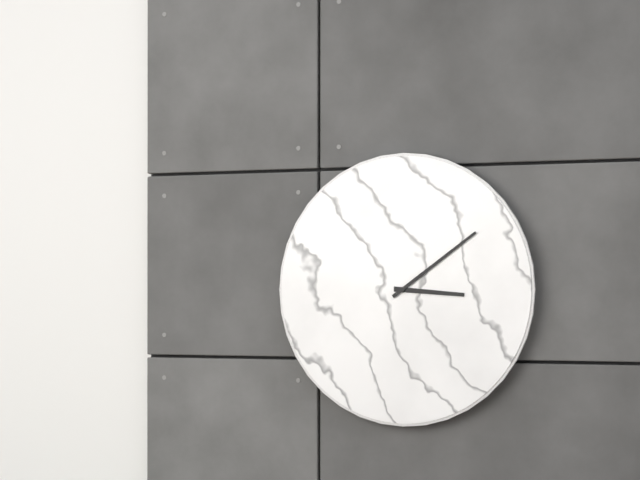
**3:09**
